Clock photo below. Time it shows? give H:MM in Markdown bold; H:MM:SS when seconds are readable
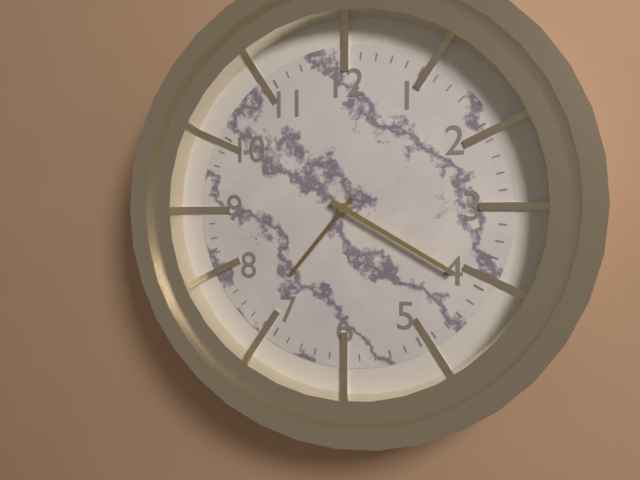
**7:20**
